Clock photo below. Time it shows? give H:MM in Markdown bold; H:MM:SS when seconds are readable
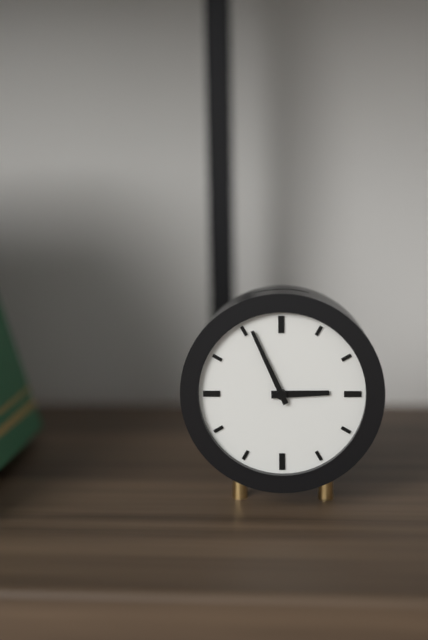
**2:56**
